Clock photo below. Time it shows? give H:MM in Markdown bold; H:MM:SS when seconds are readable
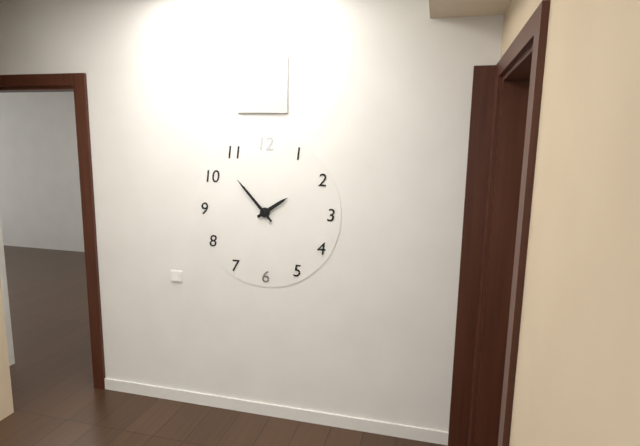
**1:53**
